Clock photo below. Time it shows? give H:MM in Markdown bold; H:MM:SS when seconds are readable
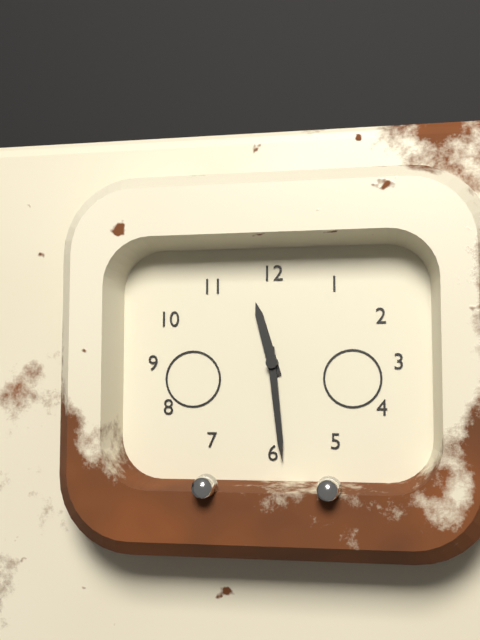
**11:29**
